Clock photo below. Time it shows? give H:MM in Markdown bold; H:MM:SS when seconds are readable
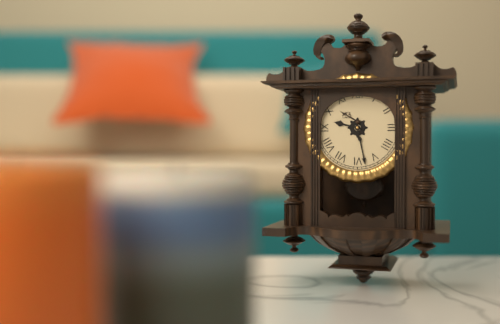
**9:28**
